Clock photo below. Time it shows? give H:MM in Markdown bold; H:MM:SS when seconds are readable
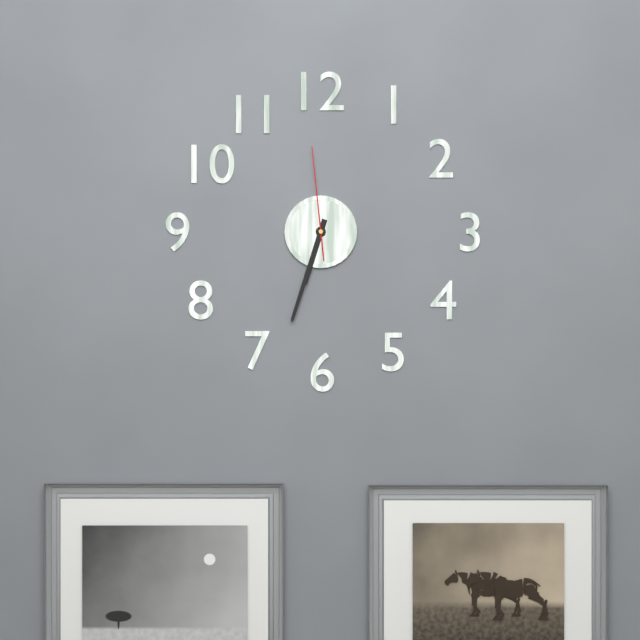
**6:33:59**
